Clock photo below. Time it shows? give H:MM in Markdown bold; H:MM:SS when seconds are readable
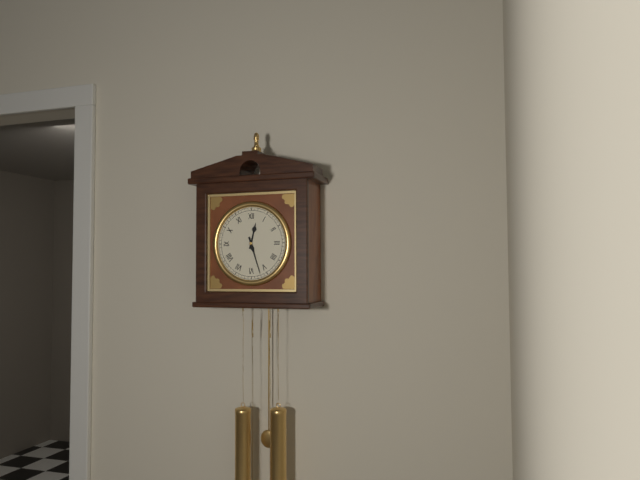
**12:27**
